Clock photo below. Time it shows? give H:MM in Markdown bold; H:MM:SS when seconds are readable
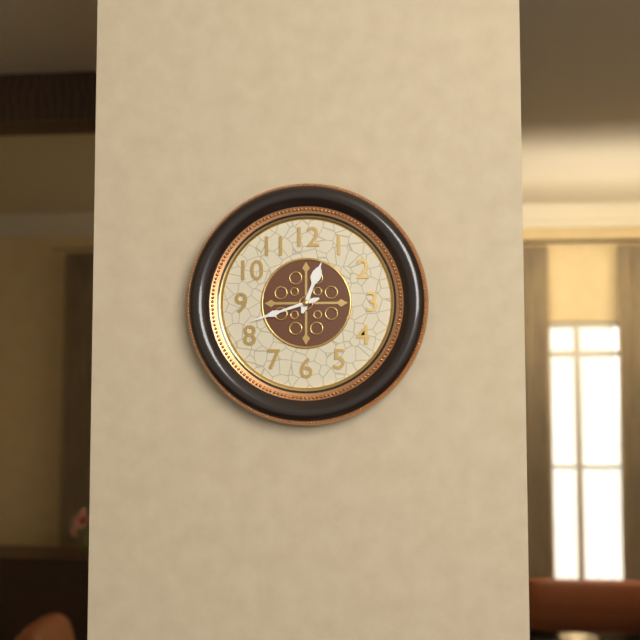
**12:42**
